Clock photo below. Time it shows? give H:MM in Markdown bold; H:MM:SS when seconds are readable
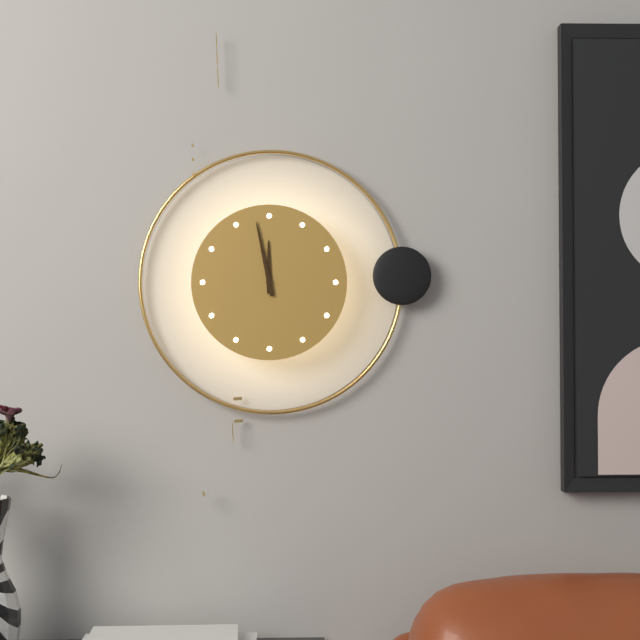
**11:58**
